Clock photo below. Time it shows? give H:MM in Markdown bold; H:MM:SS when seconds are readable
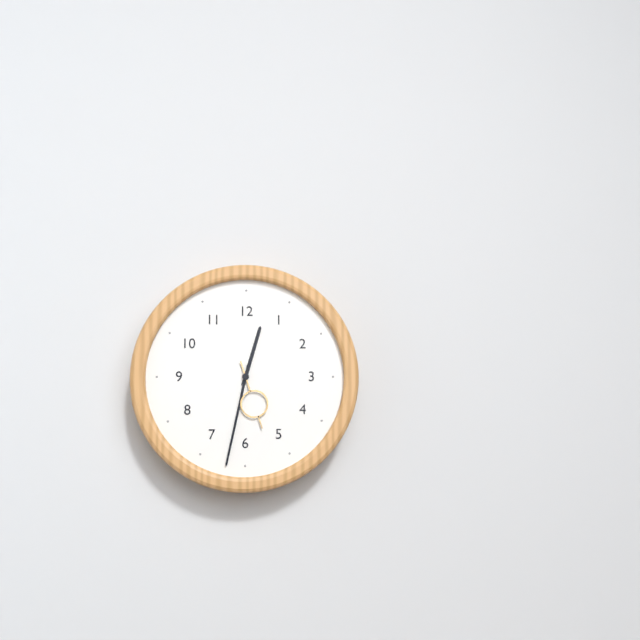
**12:32:27**
